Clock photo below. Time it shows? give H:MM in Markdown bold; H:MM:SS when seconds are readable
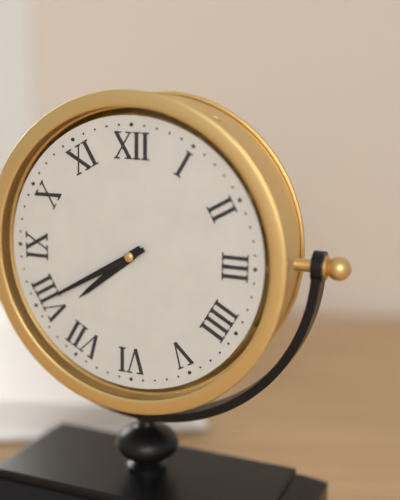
**7:40**
